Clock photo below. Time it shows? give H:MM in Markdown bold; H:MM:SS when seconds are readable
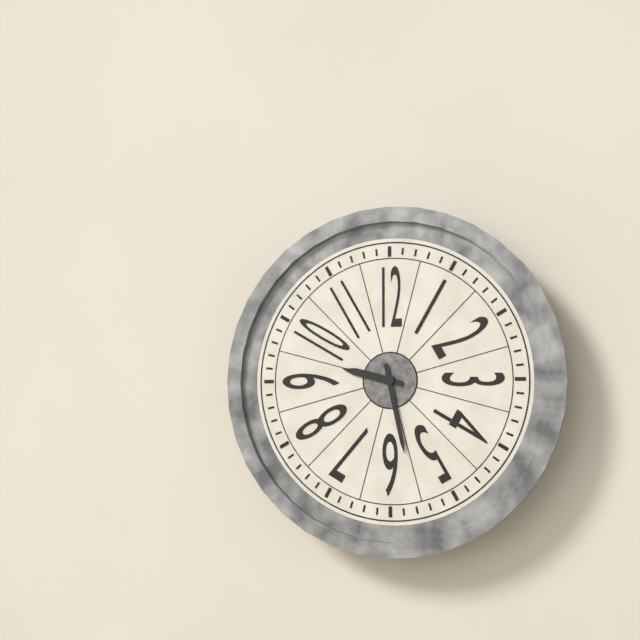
**9:28**
